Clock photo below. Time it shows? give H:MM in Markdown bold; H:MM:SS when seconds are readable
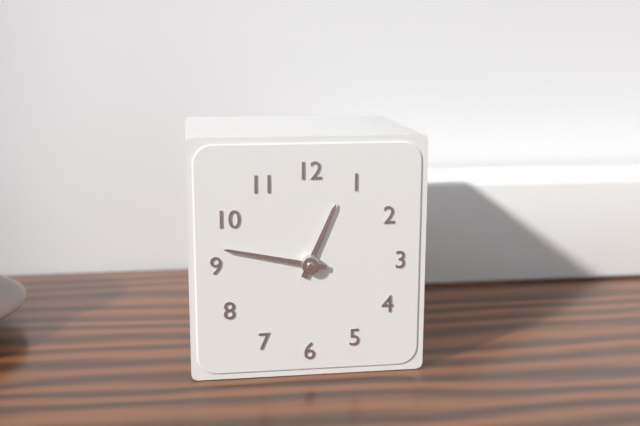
**12:47**
